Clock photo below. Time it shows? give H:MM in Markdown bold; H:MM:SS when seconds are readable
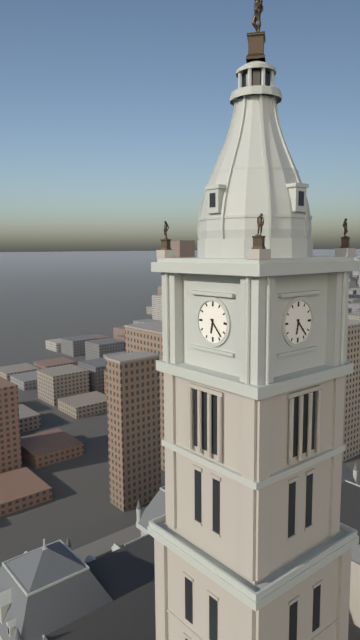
**6:23**
